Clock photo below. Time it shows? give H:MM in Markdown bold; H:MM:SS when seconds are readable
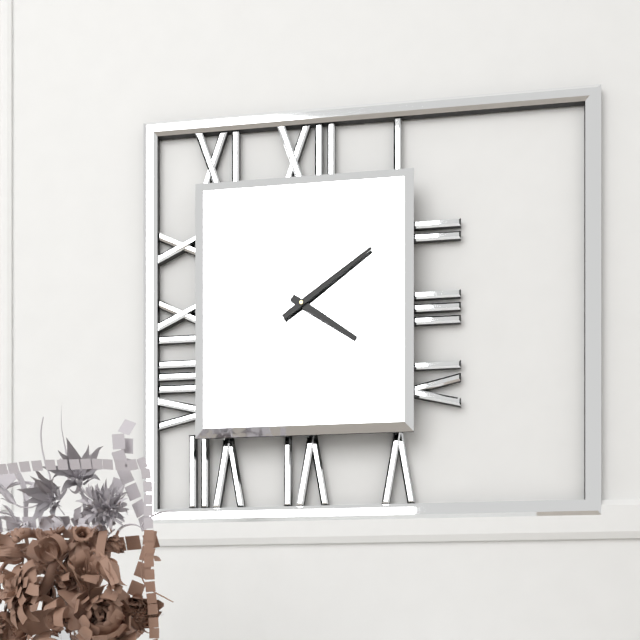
**4:09**
